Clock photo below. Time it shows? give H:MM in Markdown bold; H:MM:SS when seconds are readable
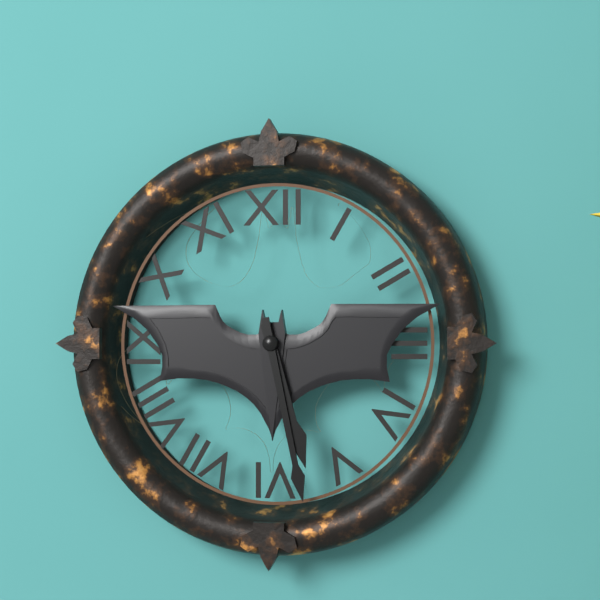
**5:28**
